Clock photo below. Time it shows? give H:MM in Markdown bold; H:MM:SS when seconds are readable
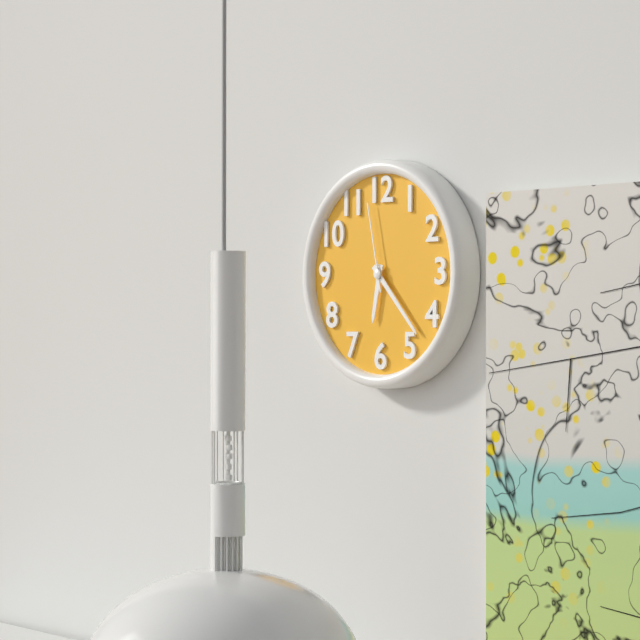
**6:23:58**
